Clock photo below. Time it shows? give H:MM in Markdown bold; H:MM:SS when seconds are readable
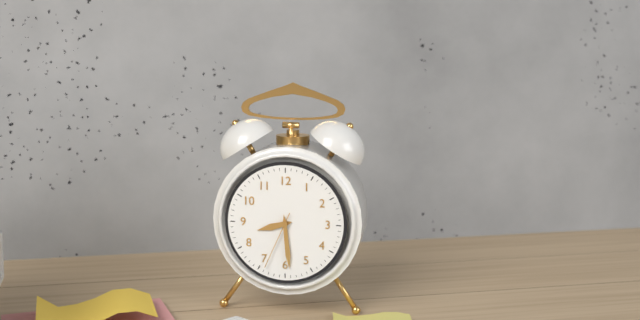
**8:29:34**
